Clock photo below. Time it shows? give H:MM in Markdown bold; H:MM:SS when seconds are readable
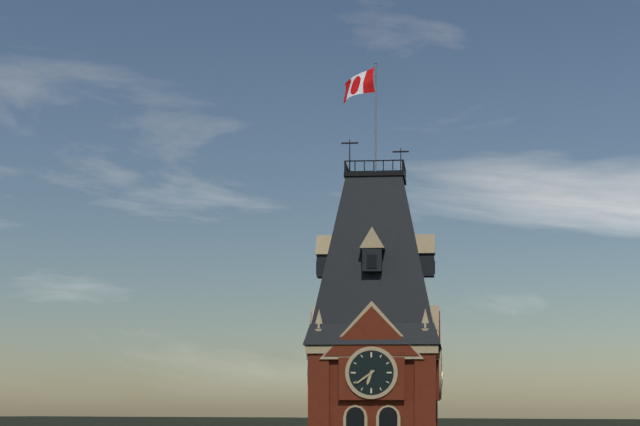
**6:39**
